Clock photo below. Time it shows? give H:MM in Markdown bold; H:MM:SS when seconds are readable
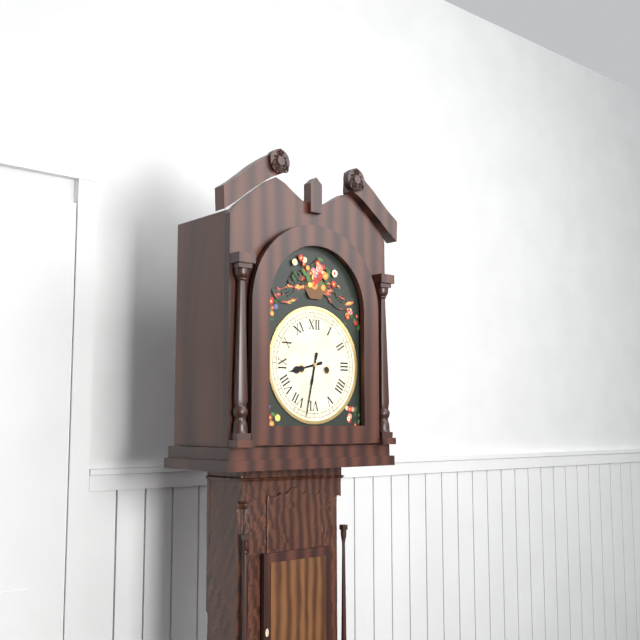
**8:32**
